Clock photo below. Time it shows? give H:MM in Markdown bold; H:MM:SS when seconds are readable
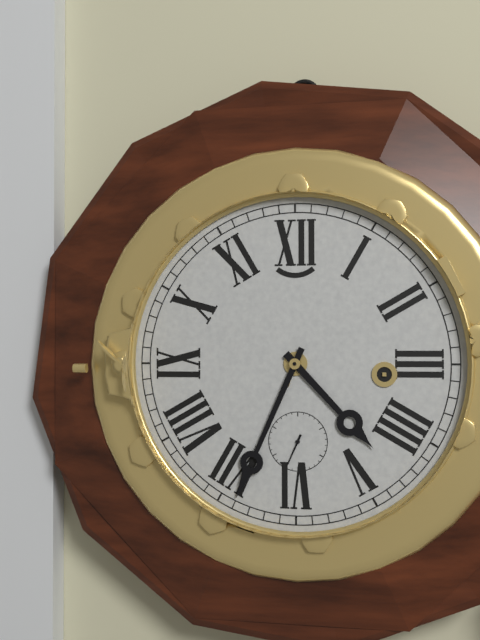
**4:34**
